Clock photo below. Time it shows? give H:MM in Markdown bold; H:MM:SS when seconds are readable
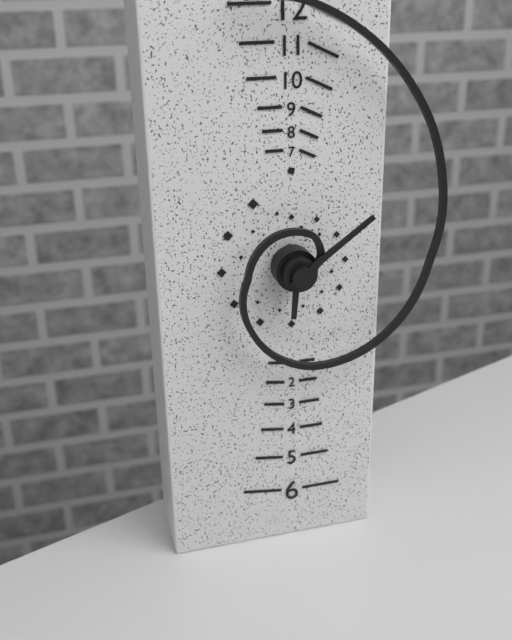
**6:09**
